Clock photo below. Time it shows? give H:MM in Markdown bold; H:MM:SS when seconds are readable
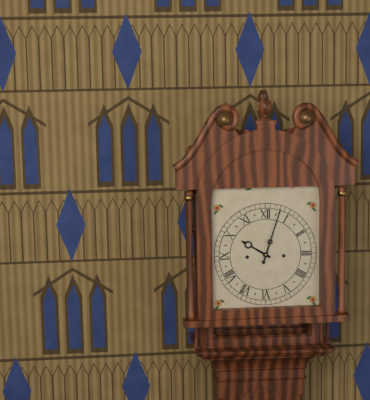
**10:03**
